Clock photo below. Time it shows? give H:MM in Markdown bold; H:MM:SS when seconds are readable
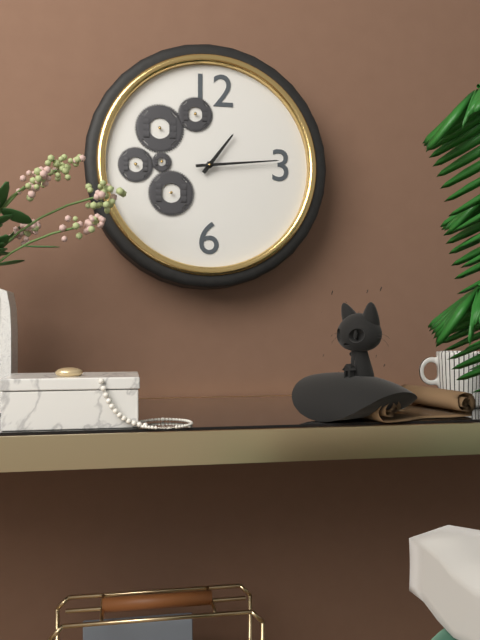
**1:14**
